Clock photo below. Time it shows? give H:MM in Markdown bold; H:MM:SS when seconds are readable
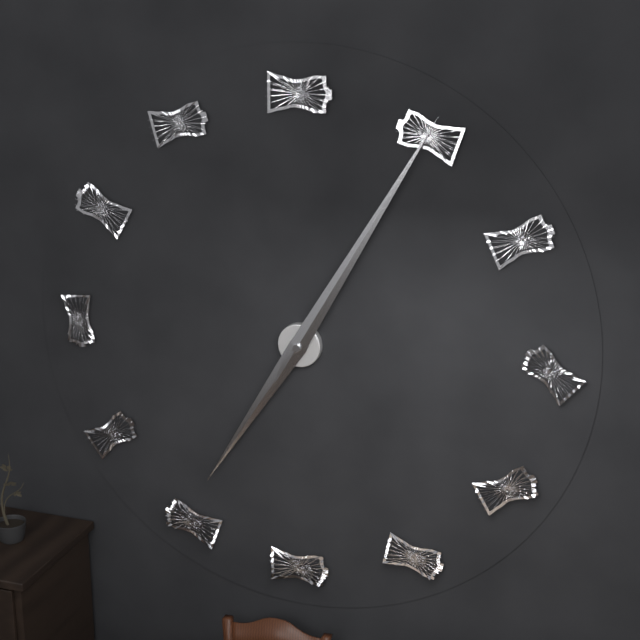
**7:05**
